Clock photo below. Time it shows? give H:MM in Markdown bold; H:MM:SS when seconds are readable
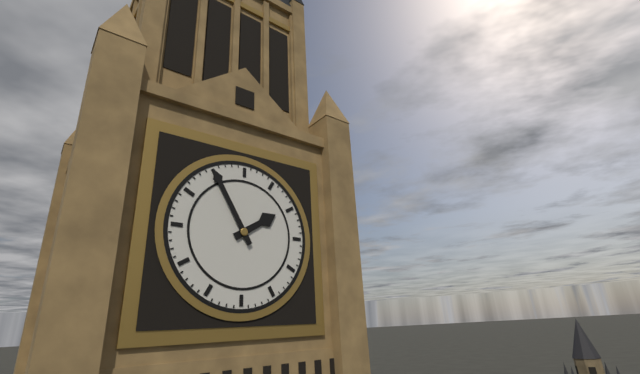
**1:55**
